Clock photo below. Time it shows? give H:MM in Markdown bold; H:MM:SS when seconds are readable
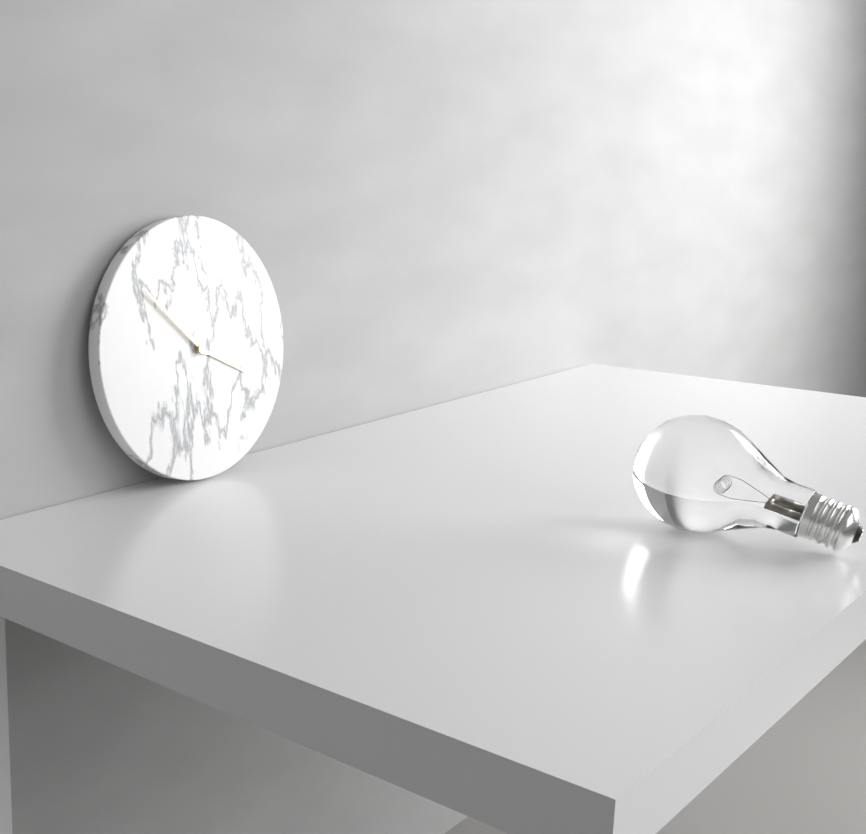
**3:52**
